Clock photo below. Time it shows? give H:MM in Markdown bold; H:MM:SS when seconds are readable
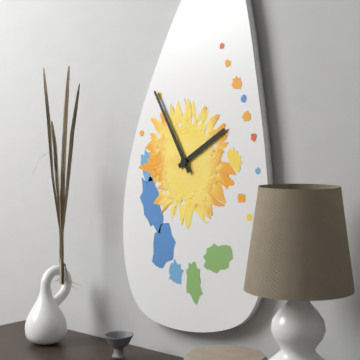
**1:55**
